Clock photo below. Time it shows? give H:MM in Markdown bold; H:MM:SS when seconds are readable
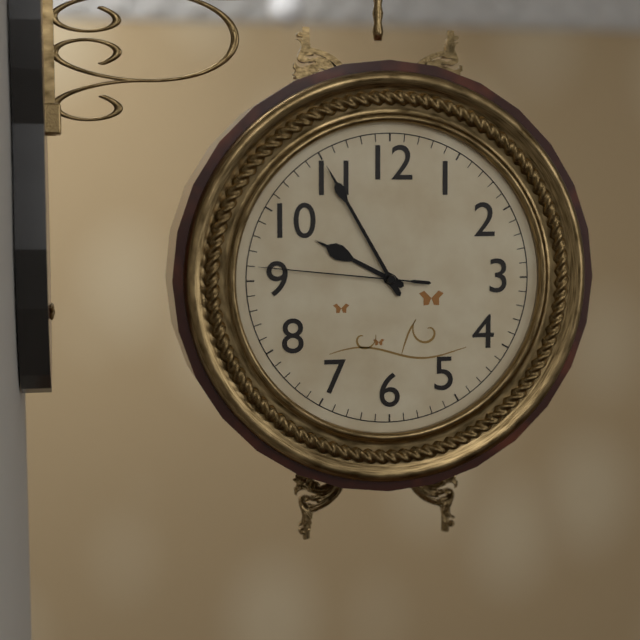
**9:55:46**
